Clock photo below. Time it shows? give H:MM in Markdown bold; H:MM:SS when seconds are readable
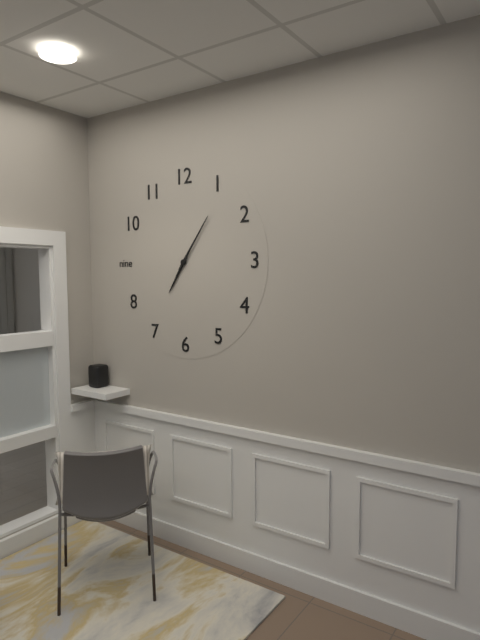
**7:06**
